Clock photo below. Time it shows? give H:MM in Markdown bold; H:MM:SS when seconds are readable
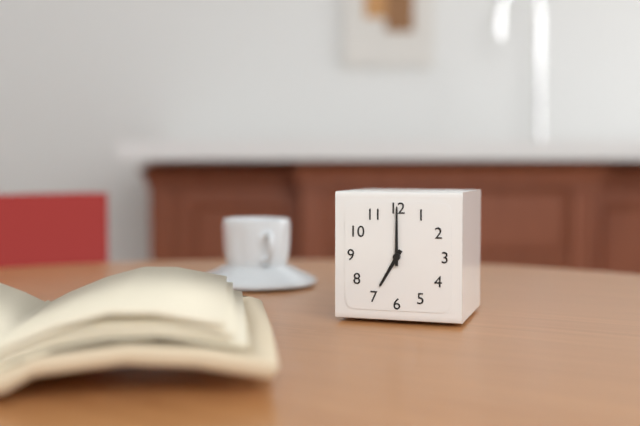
**7:00**
